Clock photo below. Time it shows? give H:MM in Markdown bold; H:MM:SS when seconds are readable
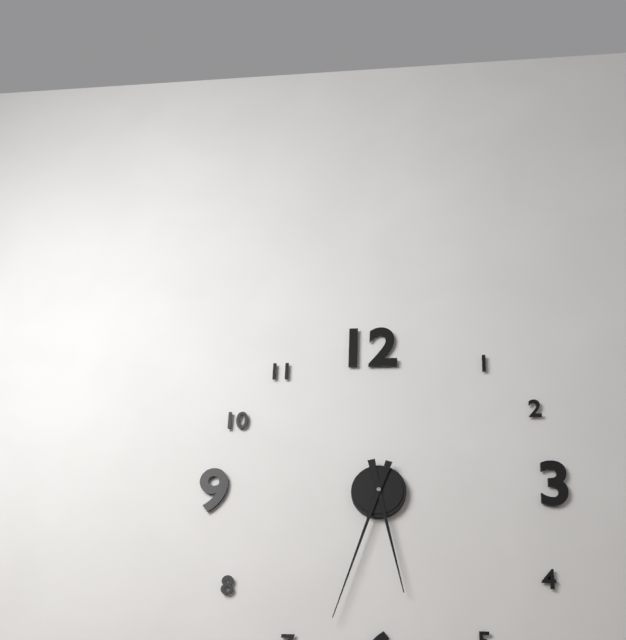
**5:33**
